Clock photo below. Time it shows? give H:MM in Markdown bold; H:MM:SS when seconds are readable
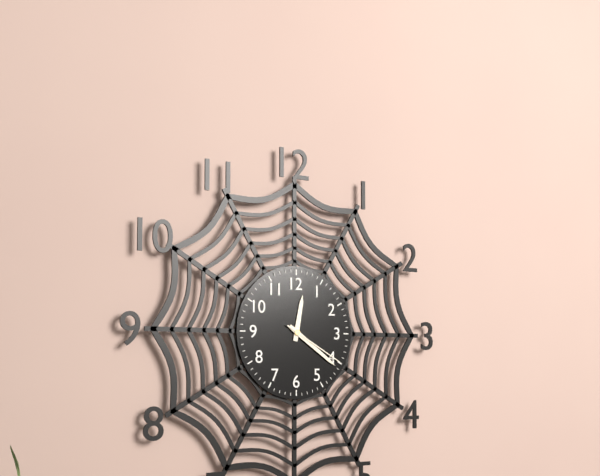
**12:21:20**
